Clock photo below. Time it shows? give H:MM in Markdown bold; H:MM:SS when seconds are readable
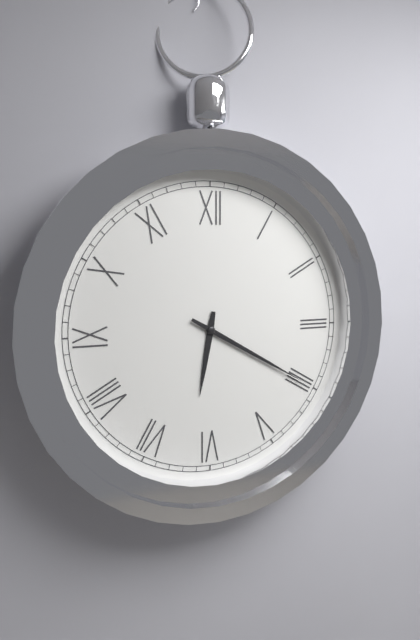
**6:20**
